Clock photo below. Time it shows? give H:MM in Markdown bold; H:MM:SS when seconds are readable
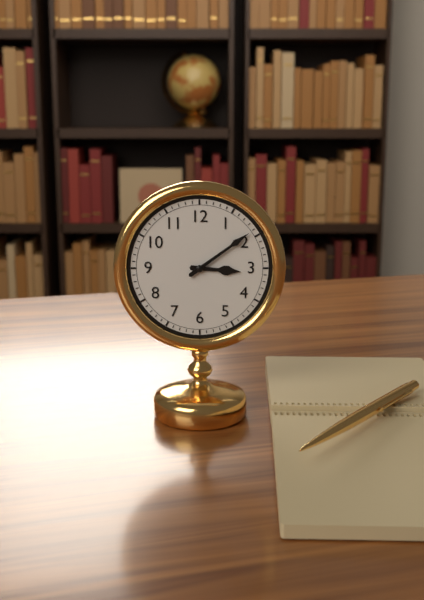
**3:09**
